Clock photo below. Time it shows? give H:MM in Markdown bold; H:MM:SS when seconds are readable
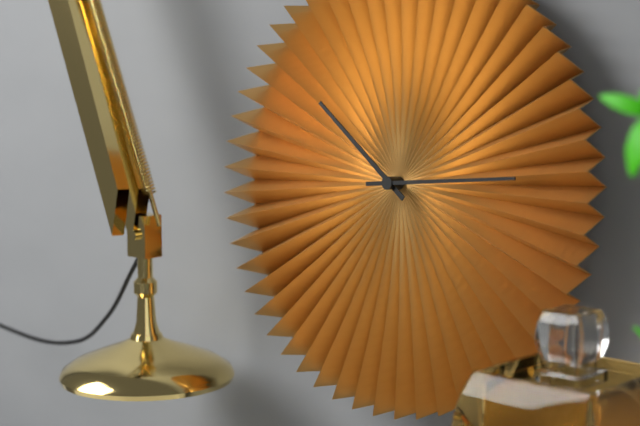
**10:14**
